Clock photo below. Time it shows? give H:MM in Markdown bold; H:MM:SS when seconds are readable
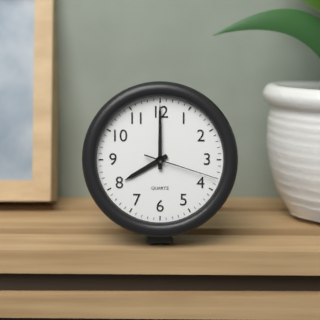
**8:00:18**
